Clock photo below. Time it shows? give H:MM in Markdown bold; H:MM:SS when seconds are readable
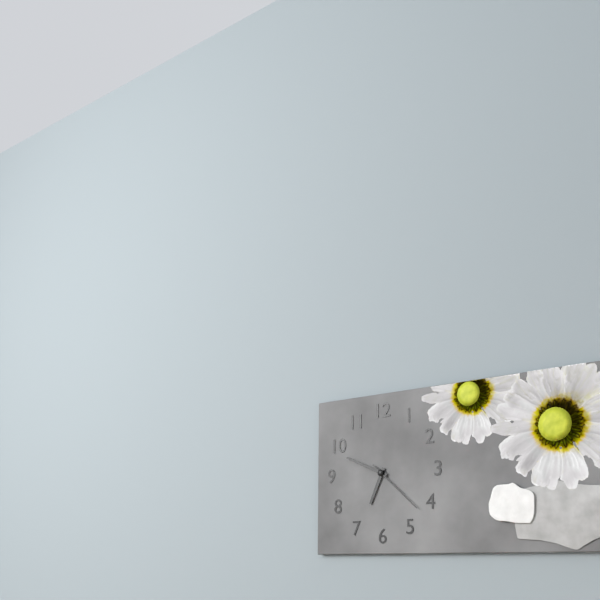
**6:49:22**
